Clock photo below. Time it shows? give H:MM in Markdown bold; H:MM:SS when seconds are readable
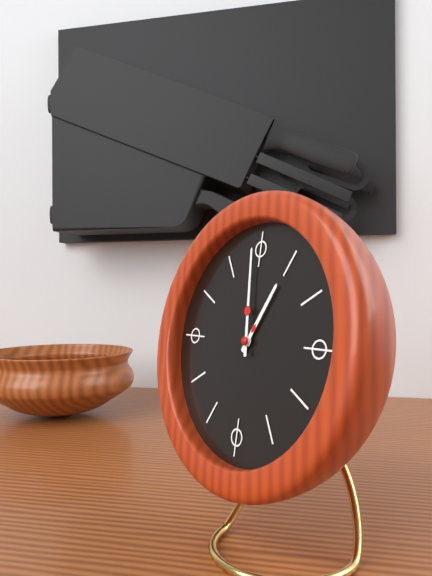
**12:59**
